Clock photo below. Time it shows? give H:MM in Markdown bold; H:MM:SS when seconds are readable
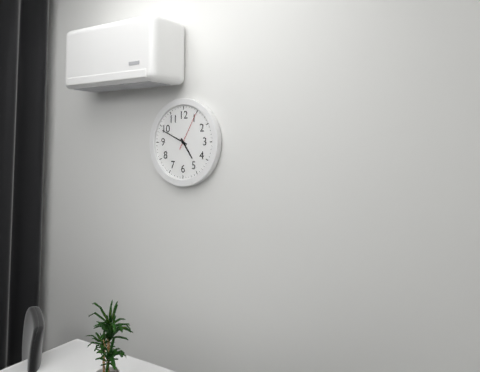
**4:49**
